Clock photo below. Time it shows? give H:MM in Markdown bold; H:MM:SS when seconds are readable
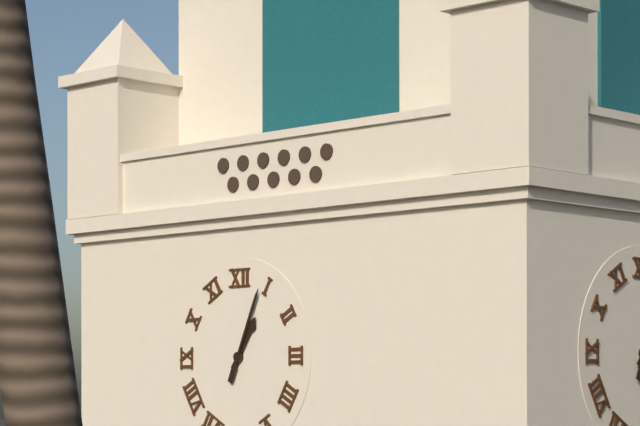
**1:04**
